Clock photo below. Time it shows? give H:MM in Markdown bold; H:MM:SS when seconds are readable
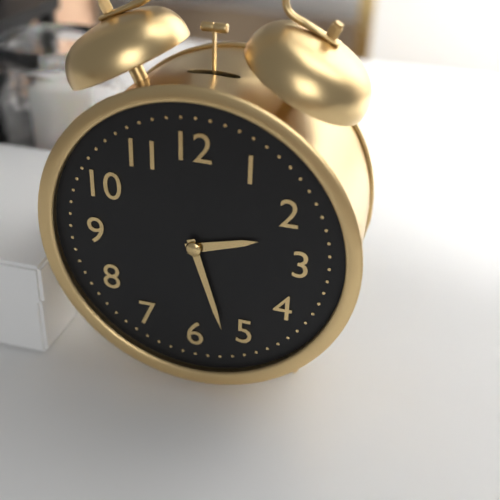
**2:27**
